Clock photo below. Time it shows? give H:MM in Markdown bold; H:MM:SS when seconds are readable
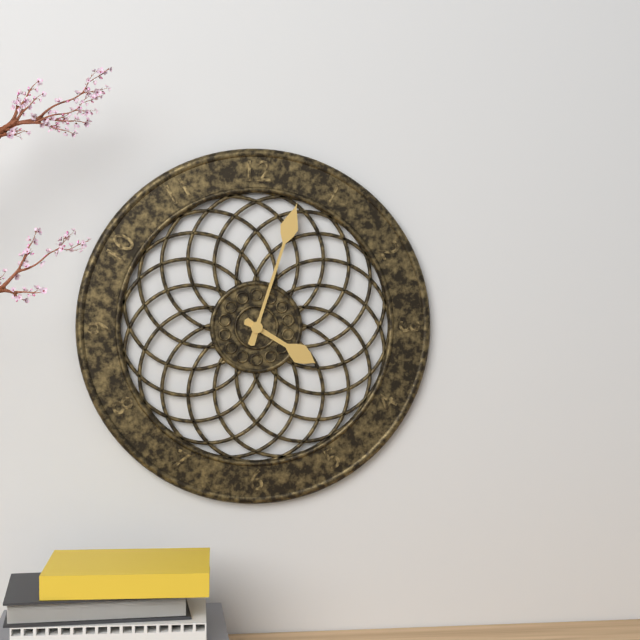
**4:03**
